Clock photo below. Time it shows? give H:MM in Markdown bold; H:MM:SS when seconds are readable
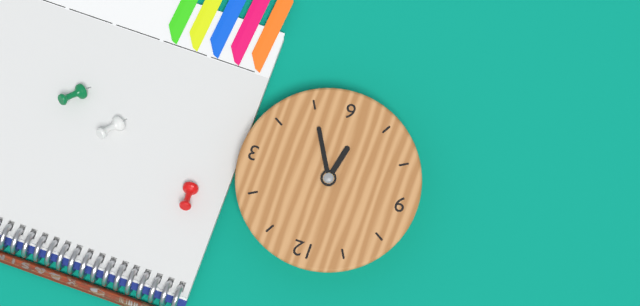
**6:25**
